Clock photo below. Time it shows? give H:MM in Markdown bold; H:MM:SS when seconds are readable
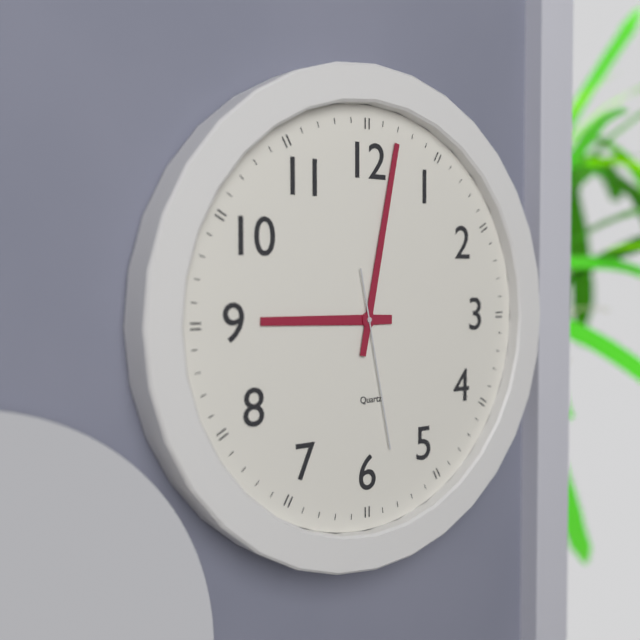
**9:02:28**
